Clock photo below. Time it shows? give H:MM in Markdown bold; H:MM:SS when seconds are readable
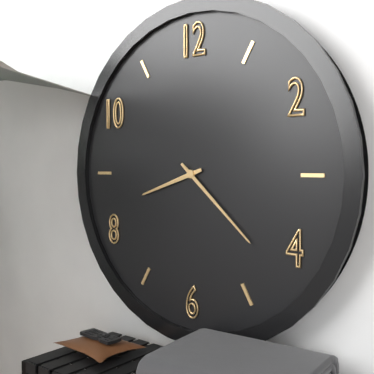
**8:22**
